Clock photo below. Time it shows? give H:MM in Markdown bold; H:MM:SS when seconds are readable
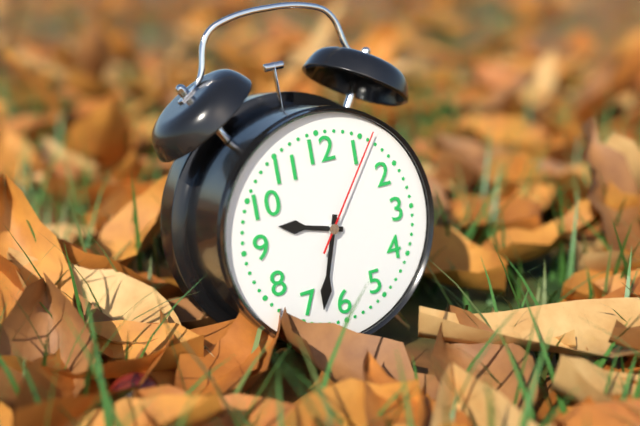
**9:33:06**
